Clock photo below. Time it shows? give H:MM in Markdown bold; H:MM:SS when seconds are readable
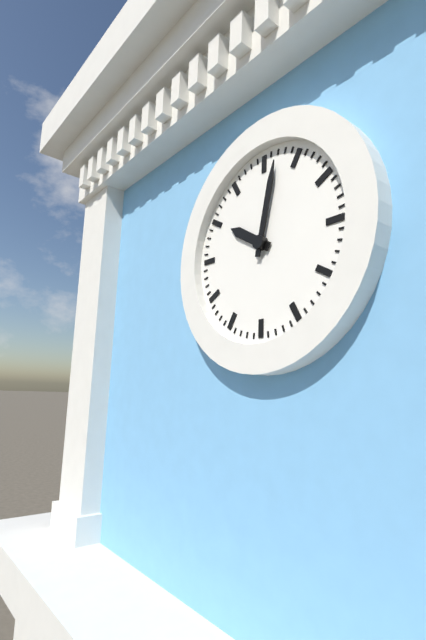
**10:02**
